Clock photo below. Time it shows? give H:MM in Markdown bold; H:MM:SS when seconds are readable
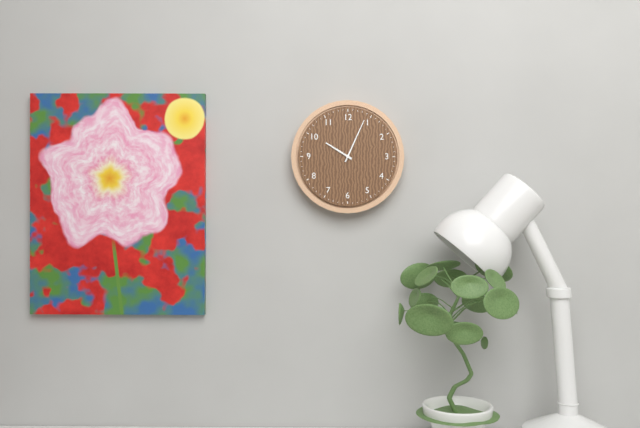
**10:04**
